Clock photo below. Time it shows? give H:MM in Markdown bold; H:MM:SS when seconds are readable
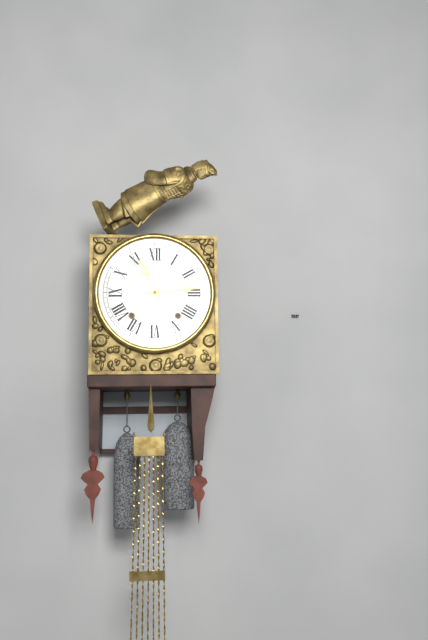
**11:14**
